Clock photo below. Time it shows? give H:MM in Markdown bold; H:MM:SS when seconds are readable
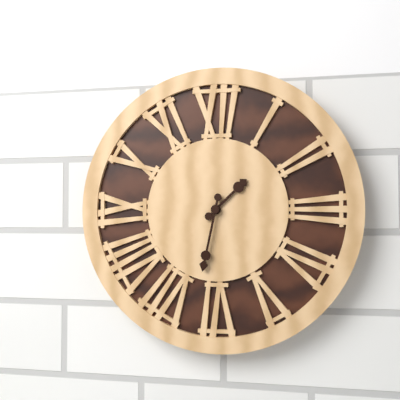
**1:32**
